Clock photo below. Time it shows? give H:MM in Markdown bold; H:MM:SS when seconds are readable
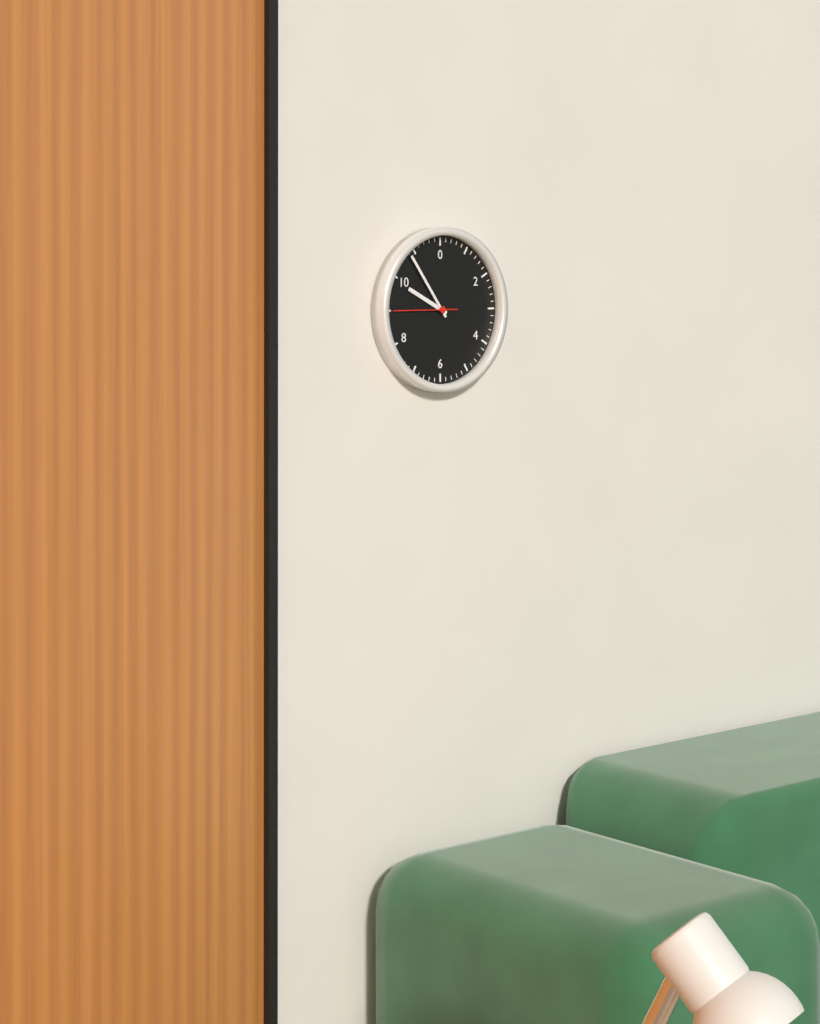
**9:54:45**
